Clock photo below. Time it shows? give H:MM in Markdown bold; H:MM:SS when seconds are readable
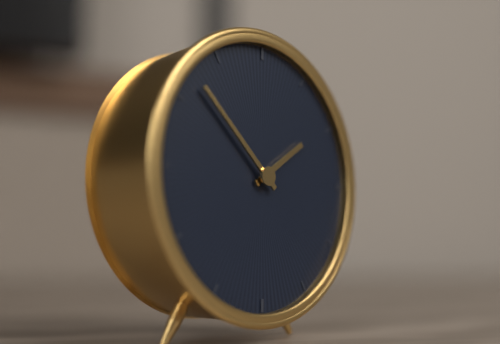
**1:52**
